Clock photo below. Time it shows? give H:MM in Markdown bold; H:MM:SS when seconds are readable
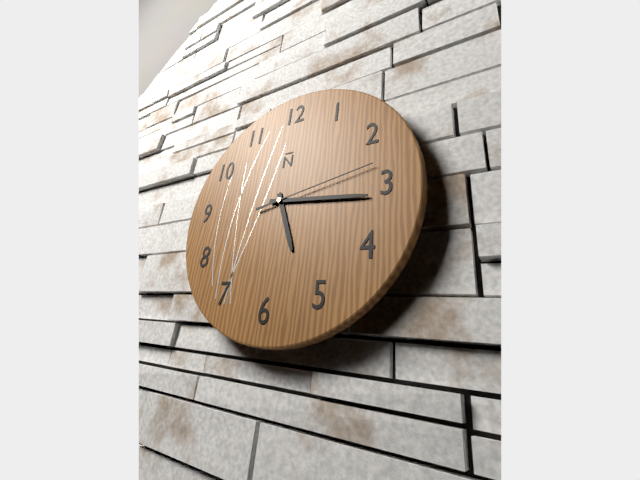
**5:16:13**
